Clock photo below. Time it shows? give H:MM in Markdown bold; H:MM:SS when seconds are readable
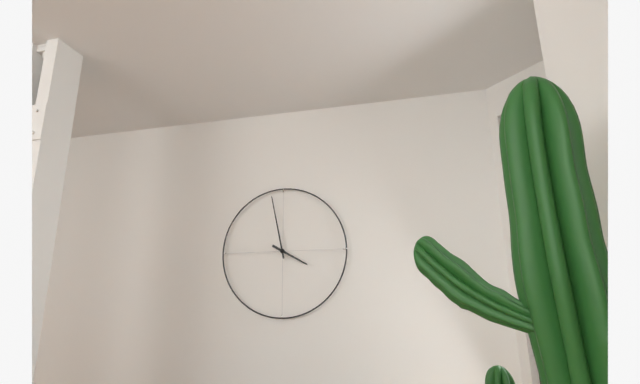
**3:58**
